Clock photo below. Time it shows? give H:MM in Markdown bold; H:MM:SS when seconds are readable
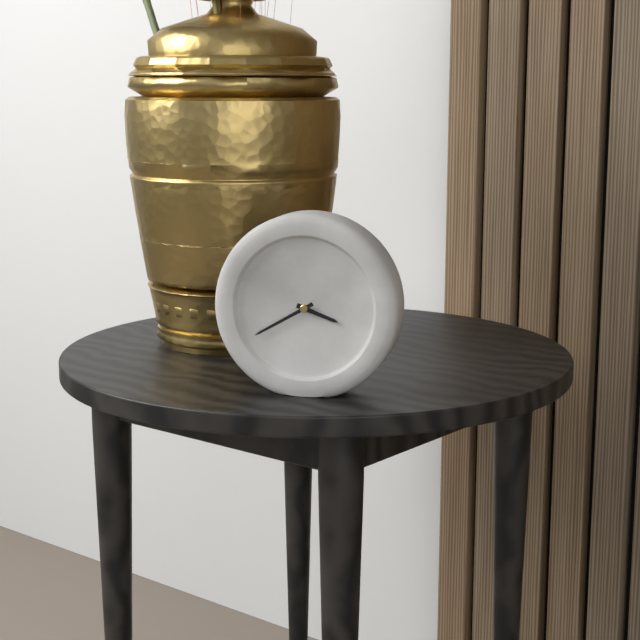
**3:40**
